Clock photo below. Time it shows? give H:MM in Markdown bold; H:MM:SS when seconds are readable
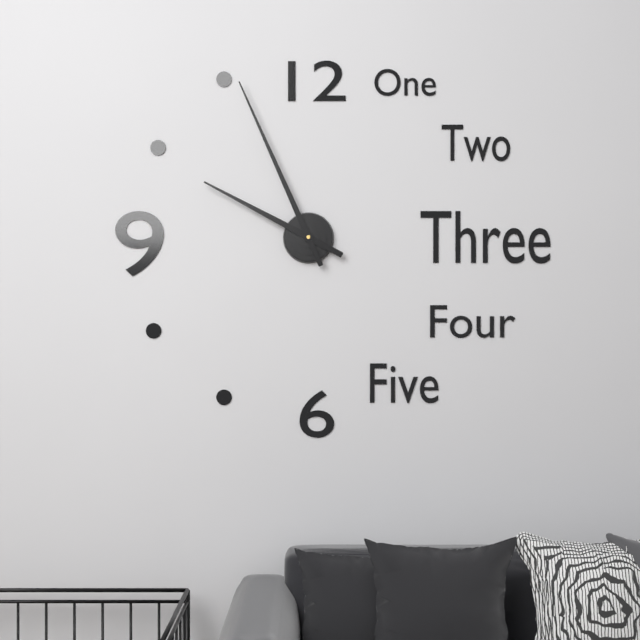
**9:56**
